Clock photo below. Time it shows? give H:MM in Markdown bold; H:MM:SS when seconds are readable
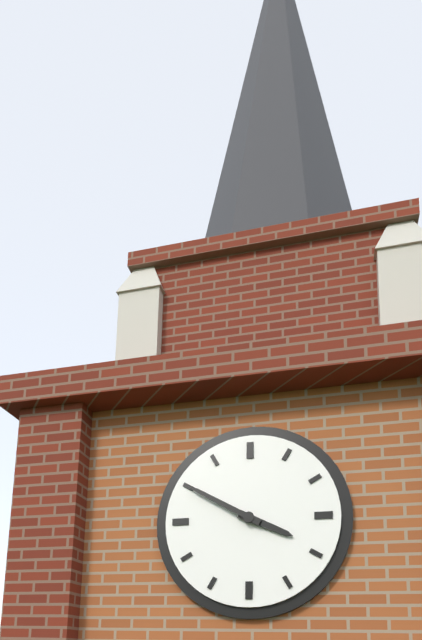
**3:50**
